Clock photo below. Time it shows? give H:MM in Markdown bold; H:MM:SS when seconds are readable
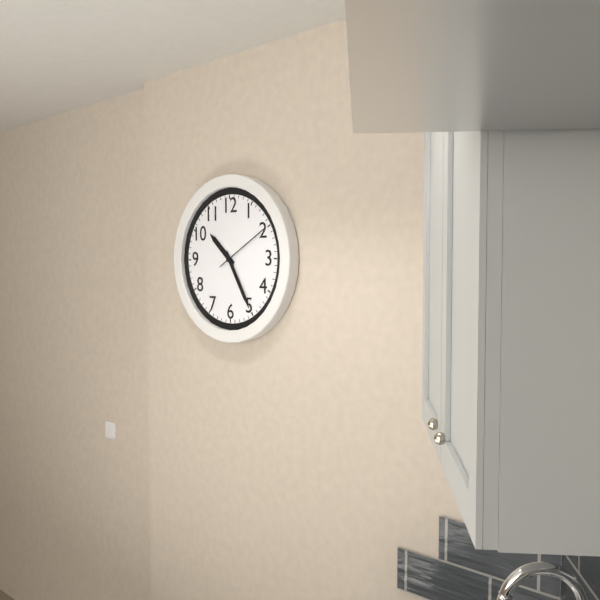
**10:25:10**
